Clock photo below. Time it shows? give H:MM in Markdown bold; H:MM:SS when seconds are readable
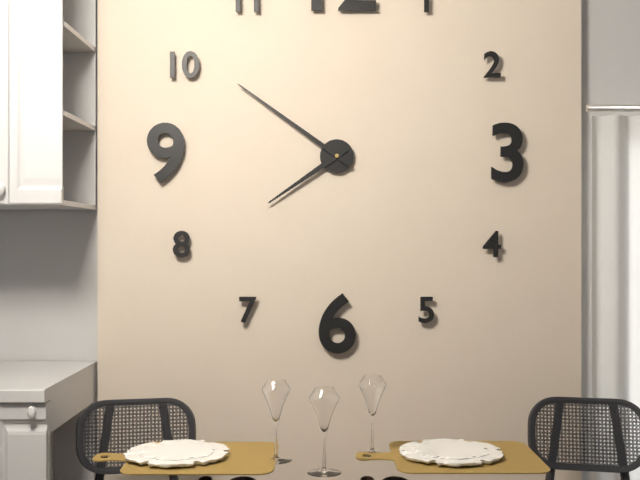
**7:51**
